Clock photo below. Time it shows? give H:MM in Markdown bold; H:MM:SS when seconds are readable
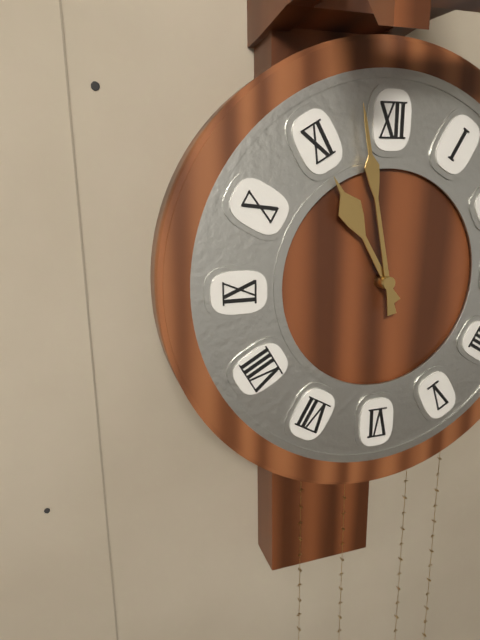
**10:58**
